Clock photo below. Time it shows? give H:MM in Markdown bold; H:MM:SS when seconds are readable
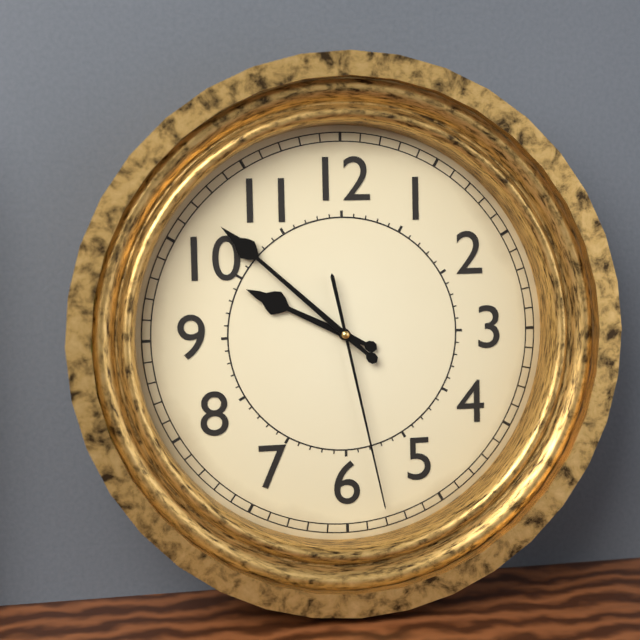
**9:52:28**
